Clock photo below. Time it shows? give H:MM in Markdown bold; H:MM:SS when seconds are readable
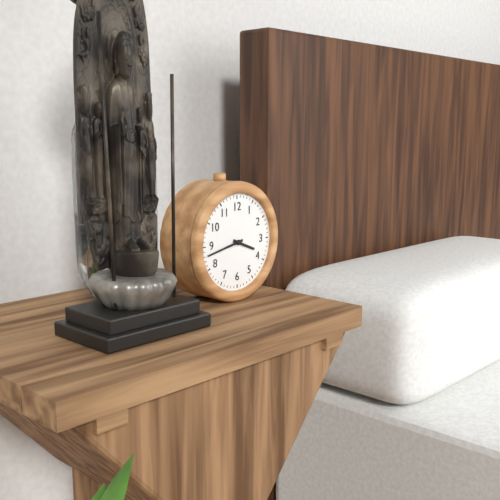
**3:43**
